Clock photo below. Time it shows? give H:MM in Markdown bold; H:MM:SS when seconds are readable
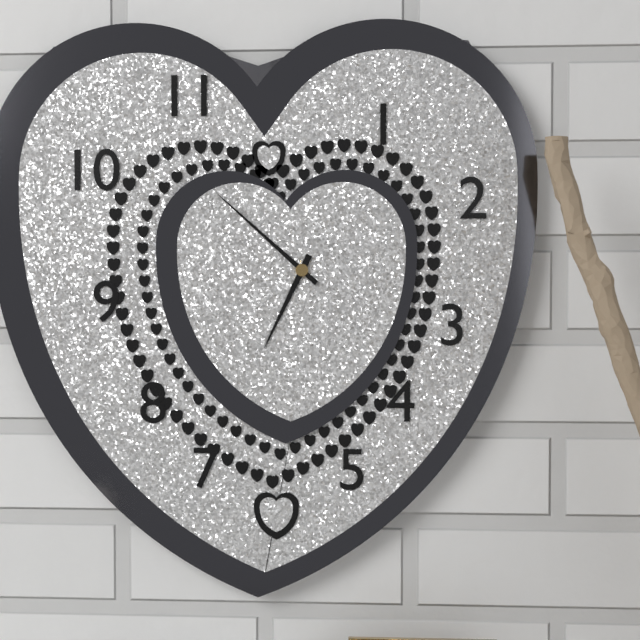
**6:52**
